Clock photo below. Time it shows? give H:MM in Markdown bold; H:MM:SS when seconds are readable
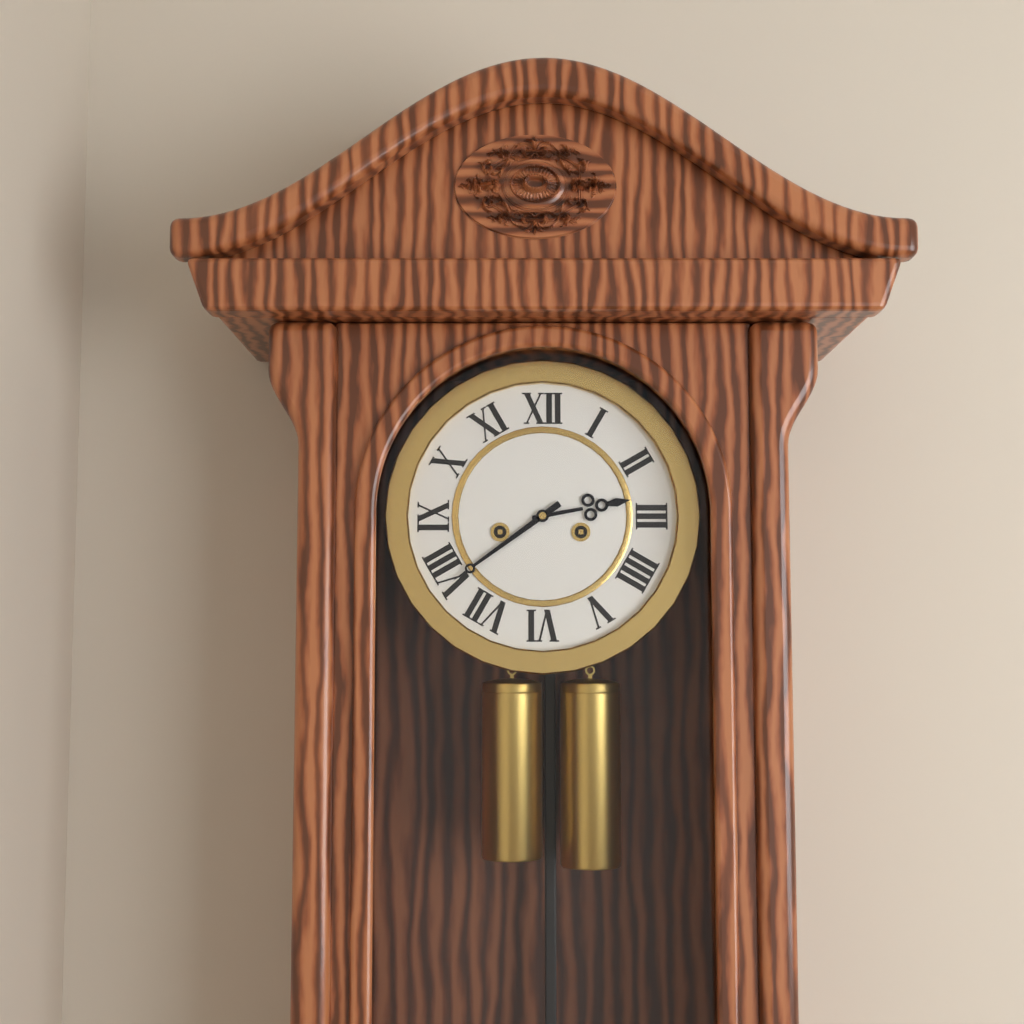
**2:39**
